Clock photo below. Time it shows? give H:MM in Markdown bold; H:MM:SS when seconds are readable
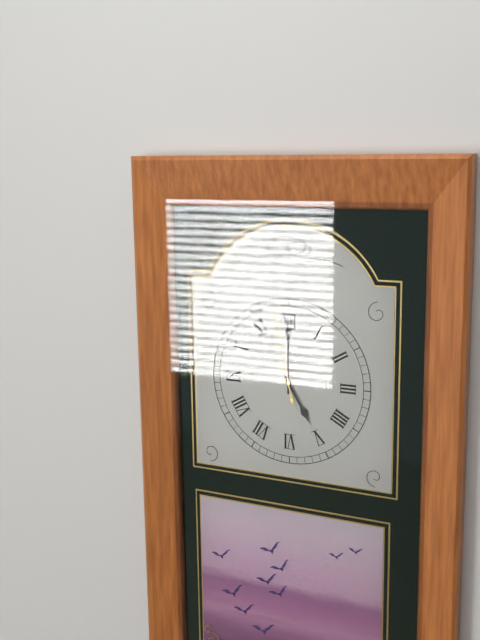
**5:00:58**
